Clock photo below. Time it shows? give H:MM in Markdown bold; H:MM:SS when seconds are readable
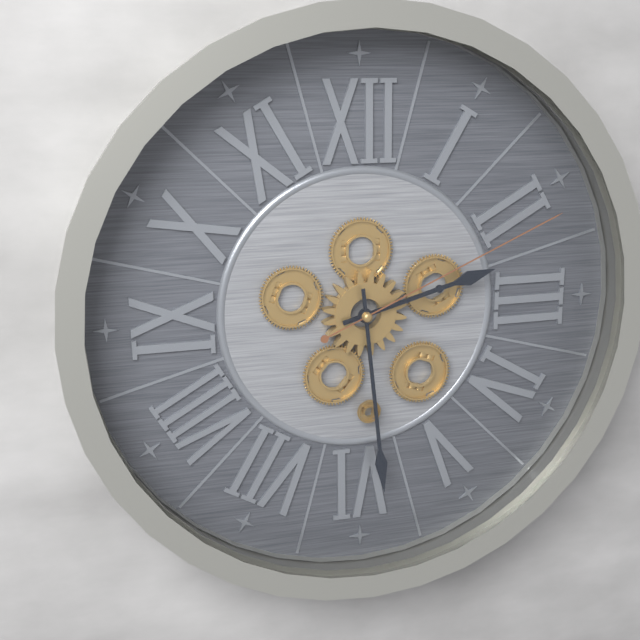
**2:29:11**
